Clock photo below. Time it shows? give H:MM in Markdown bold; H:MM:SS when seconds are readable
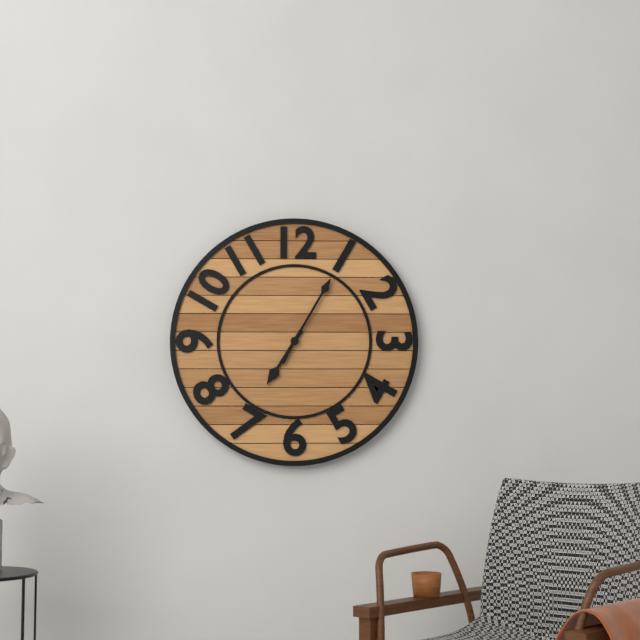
**7:05**
